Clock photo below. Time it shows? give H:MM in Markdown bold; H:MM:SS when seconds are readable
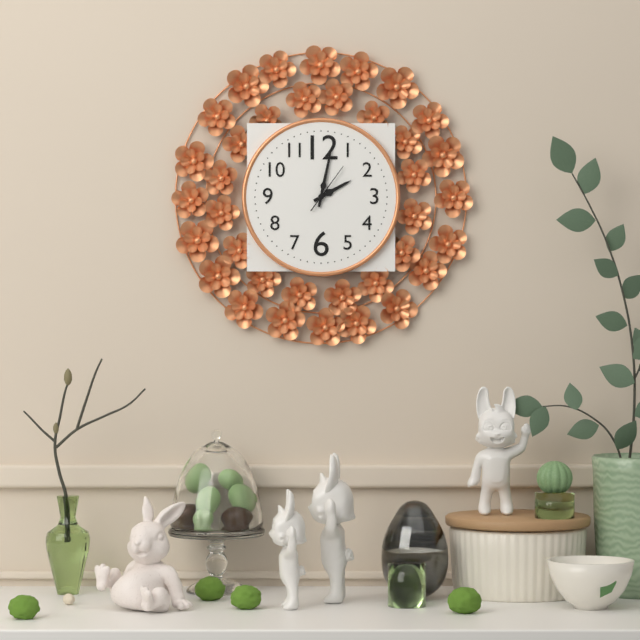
**2:02**
